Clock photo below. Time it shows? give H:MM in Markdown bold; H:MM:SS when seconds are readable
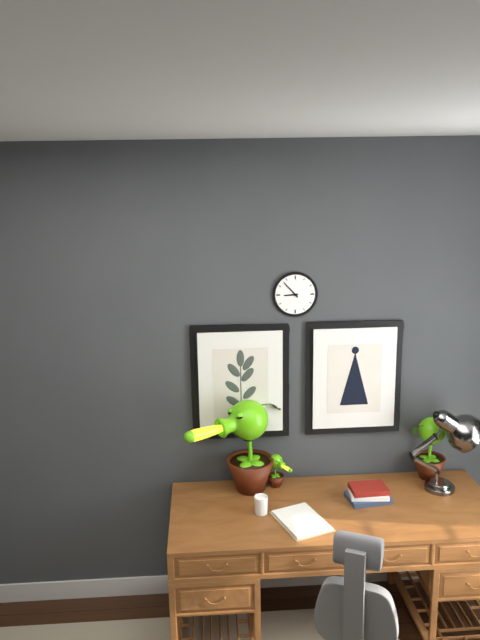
**8:53**
